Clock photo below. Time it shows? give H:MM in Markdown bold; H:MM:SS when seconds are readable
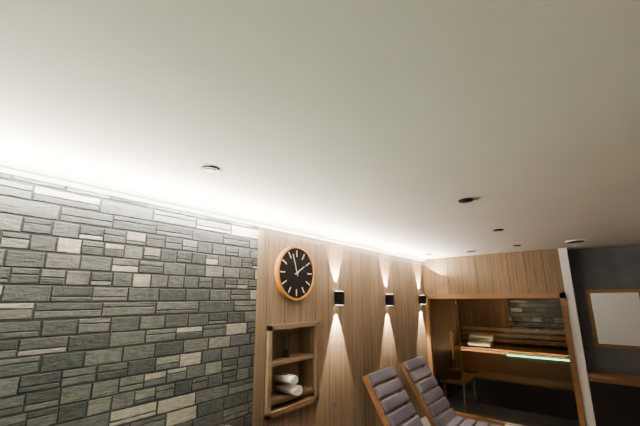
**1:57**
